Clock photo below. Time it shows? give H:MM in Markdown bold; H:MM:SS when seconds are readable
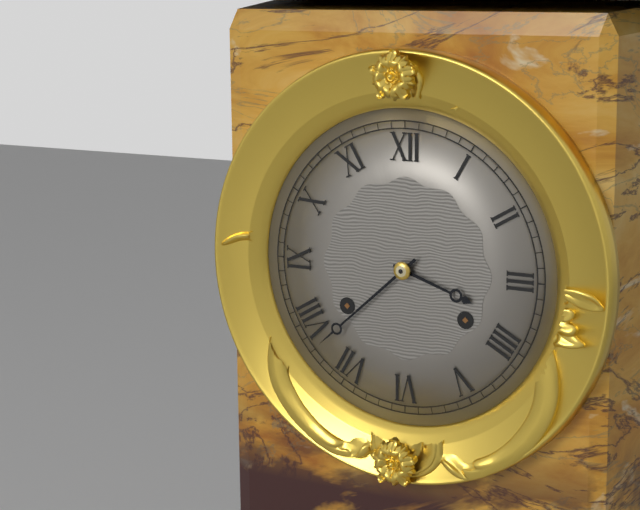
**3:38**
